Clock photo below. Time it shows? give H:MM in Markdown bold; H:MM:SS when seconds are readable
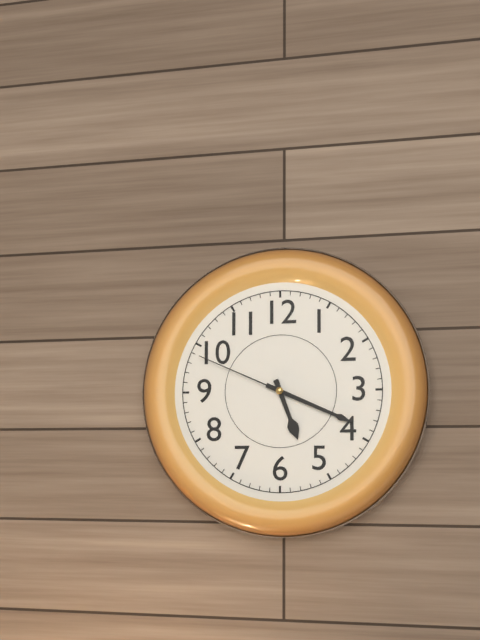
**5:19:49**
